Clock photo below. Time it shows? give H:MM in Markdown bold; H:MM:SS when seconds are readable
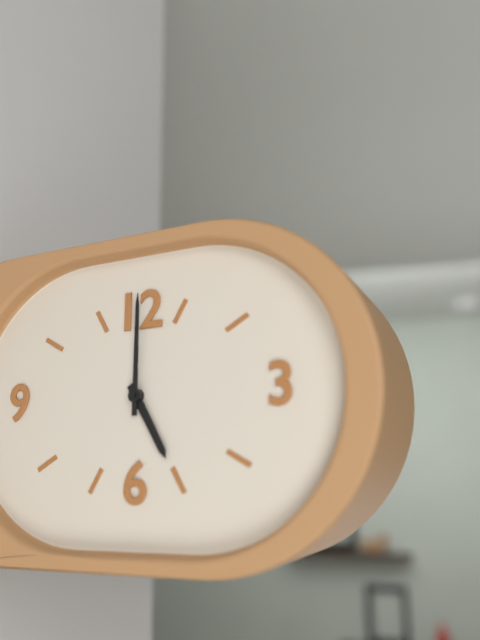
**5:00**
